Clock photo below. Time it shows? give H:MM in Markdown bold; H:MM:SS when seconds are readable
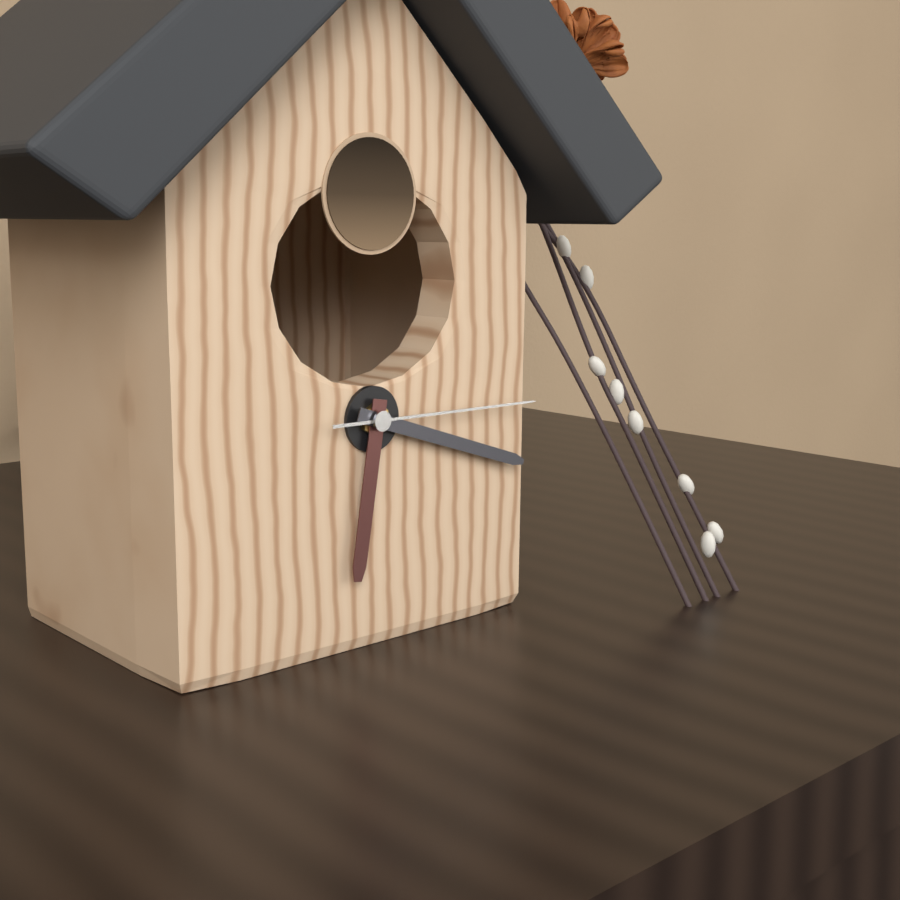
**6:18:15**
